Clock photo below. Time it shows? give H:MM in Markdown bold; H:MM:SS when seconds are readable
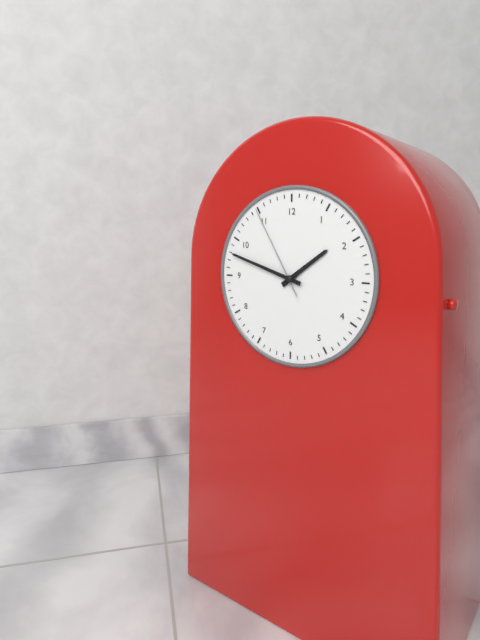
**1:48:55**
